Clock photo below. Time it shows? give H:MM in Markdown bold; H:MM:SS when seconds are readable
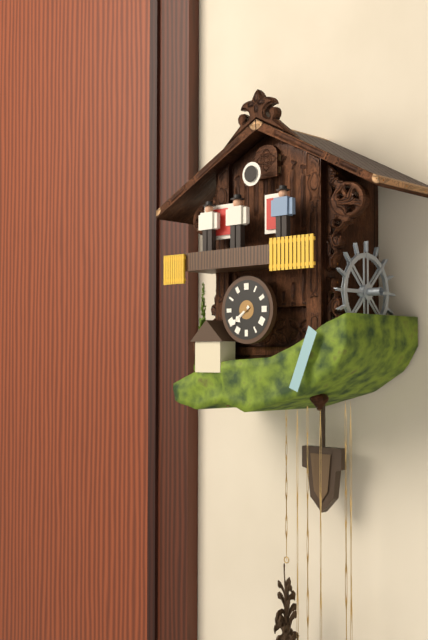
**7:39**
